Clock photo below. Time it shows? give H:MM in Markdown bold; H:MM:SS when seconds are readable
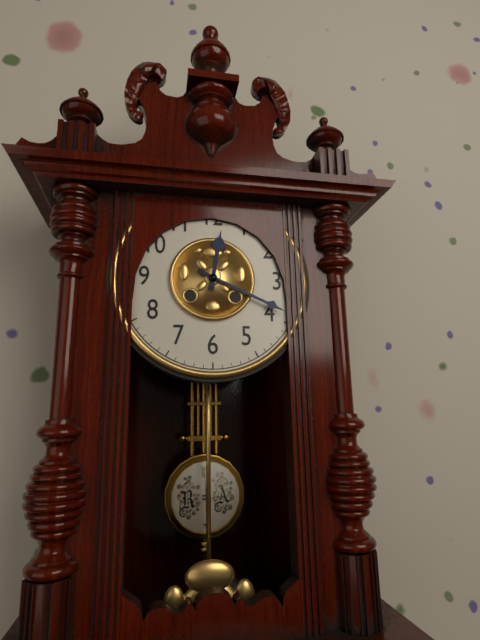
**12:19**
